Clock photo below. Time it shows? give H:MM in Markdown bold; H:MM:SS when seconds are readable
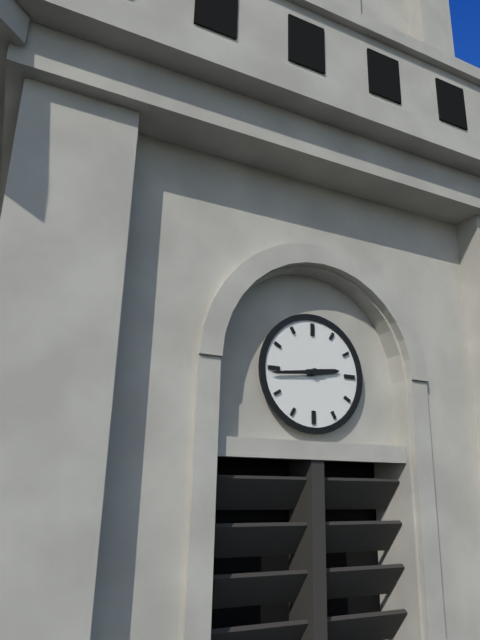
**2:44**
